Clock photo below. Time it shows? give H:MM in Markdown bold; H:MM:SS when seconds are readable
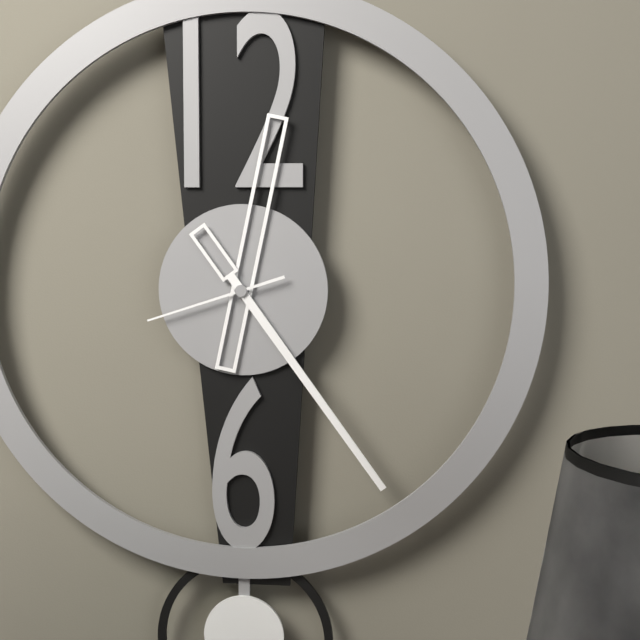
**12:24:42**
